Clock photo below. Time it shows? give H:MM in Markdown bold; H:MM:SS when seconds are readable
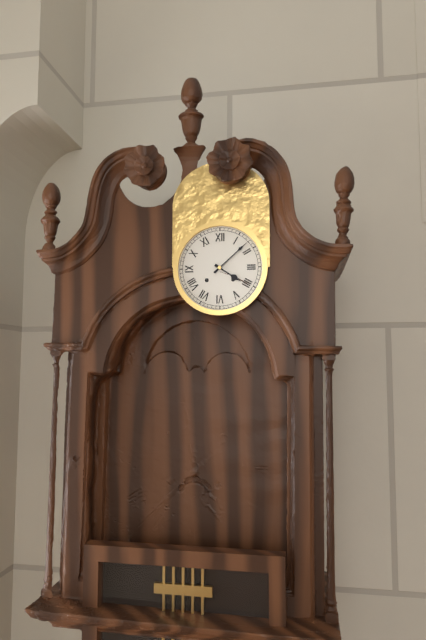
**4:08**
